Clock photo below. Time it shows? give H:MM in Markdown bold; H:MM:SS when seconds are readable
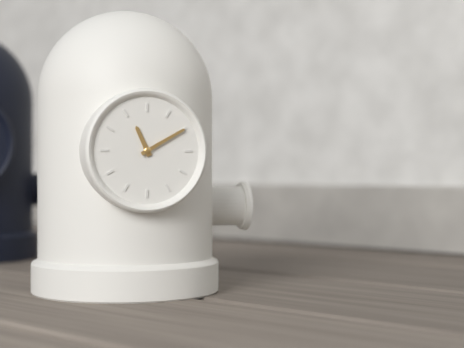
**11:10**
